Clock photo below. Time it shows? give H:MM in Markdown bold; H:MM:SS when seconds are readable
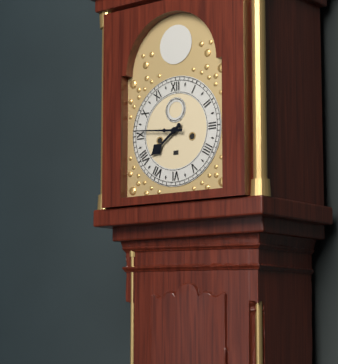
**7:46**
